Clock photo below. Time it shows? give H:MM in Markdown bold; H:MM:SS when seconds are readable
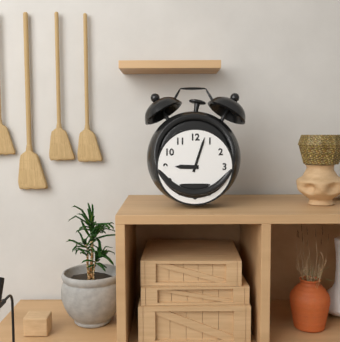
**9:03**
